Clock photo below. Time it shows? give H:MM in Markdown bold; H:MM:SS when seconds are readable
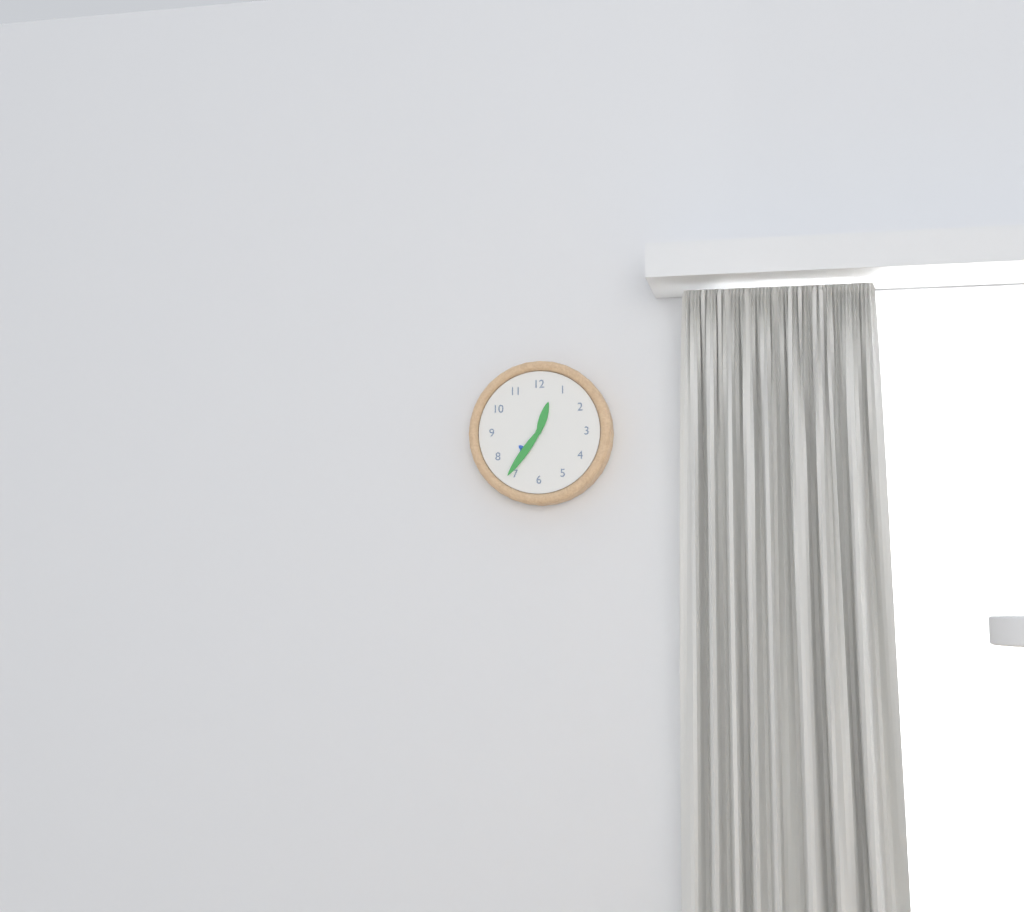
**12:36**
